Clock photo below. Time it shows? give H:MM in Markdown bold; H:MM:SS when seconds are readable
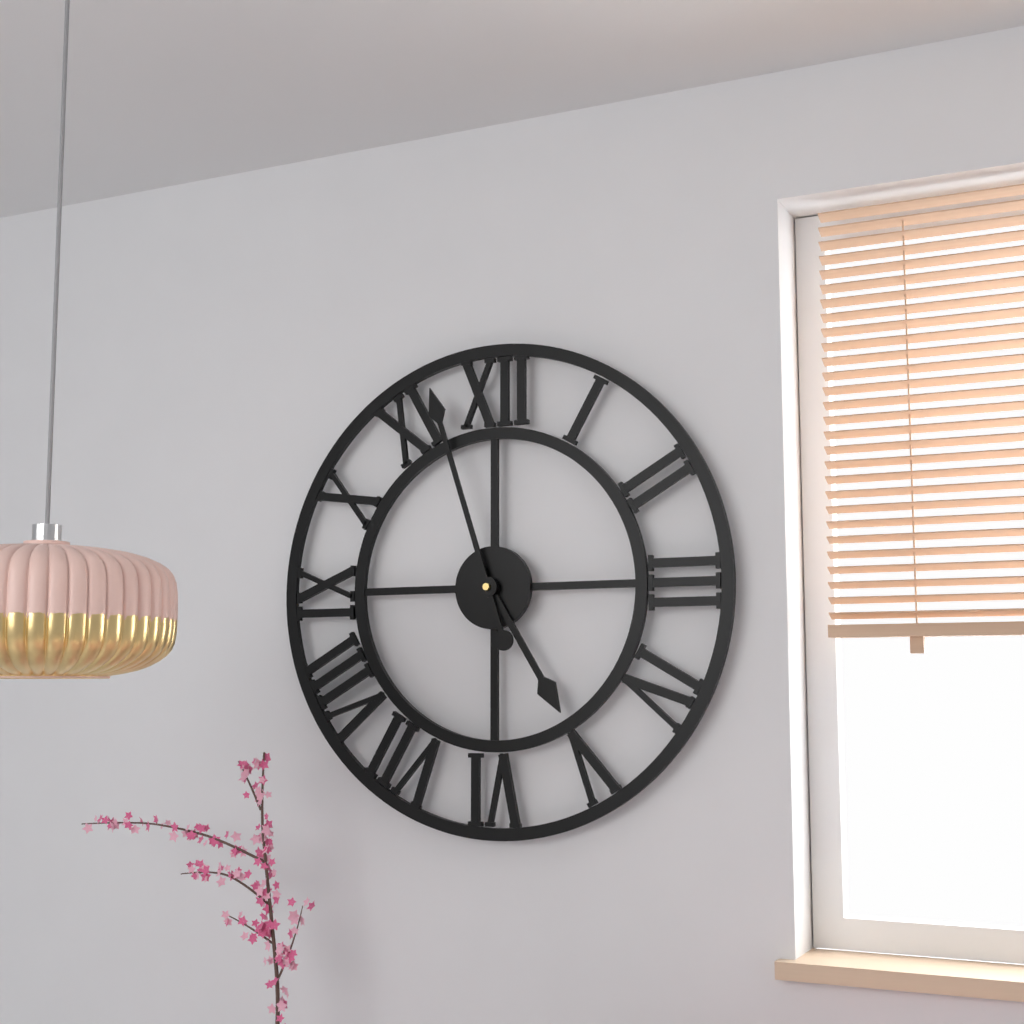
**4:57**
